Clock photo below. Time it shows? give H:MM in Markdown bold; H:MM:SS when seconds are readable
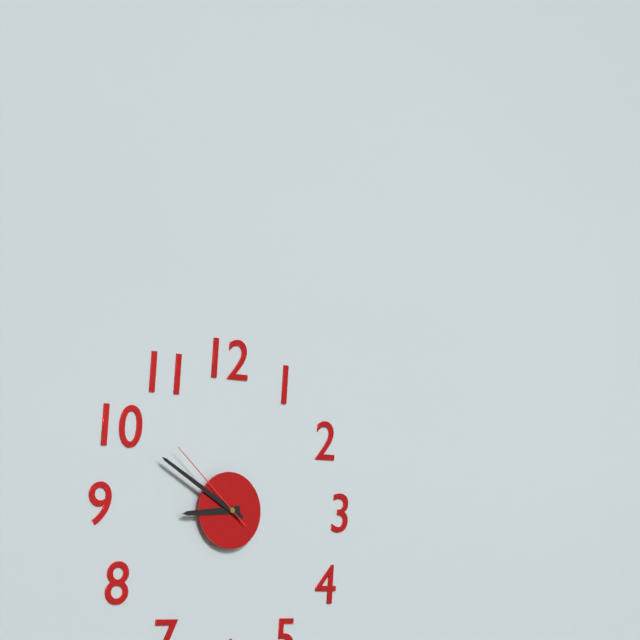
**8:50:52**
